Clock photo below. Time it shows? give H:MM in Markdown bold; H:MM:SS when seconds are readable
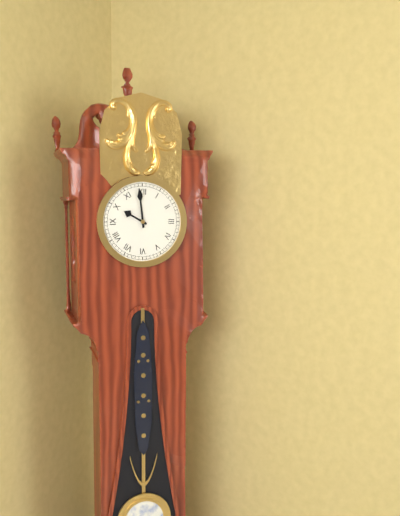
**9:59**
